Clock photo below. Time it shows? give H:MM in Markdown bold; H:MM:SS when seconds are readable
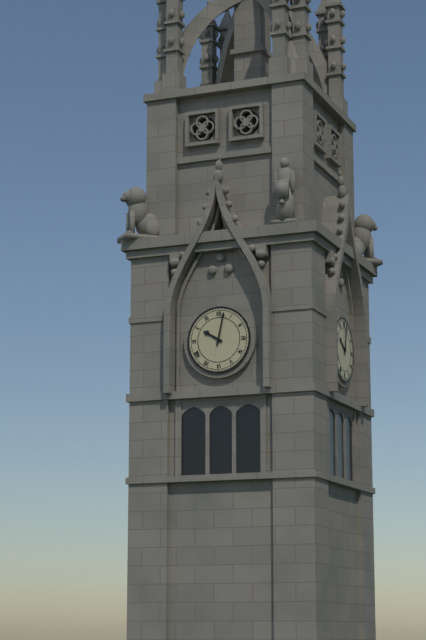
**10:02**
